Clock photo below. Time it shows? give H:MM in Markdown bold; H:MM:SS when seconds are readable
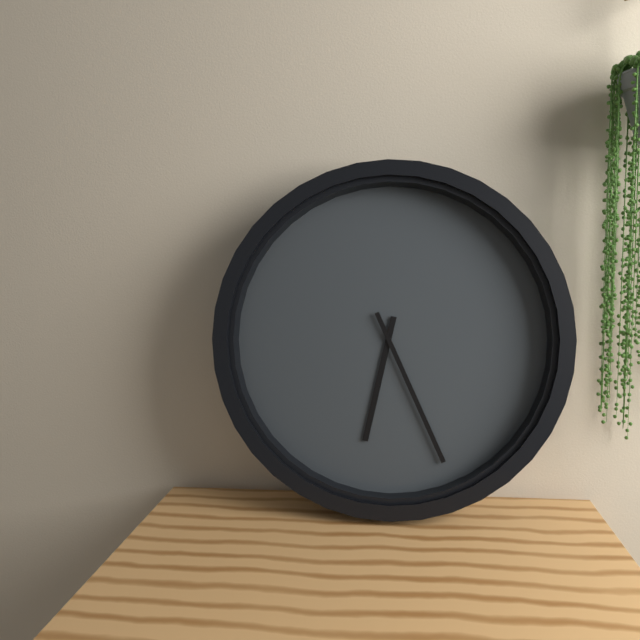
**6:26**
